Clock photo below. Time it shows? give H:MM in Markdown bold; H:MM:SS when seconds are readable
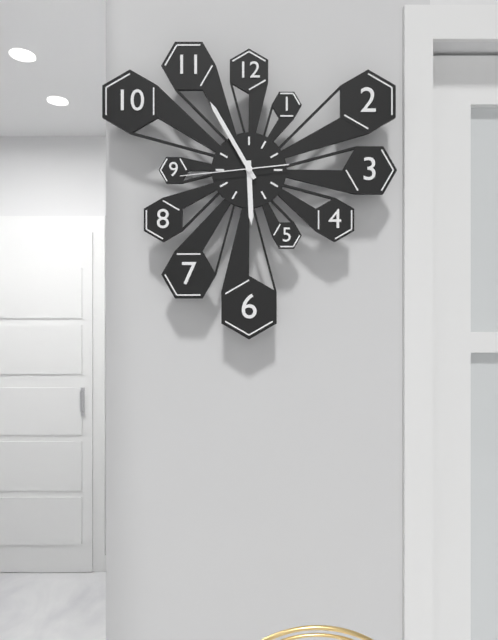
**5:55:44**
